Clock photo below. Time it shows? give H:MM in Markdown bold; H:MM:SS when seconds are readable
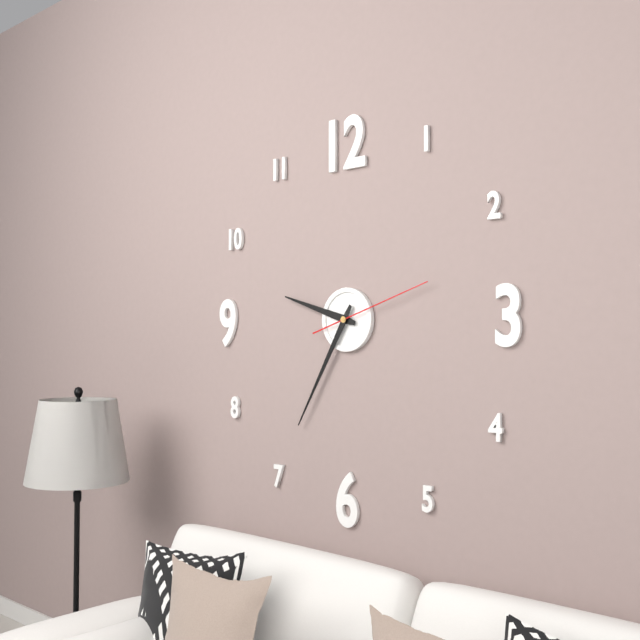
**9:35:12**
